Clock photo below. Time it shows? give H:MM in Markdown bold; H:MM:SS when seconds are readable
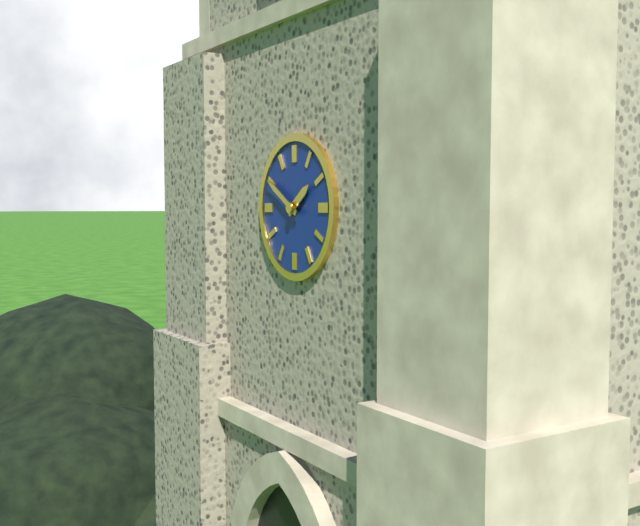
**1:50**
